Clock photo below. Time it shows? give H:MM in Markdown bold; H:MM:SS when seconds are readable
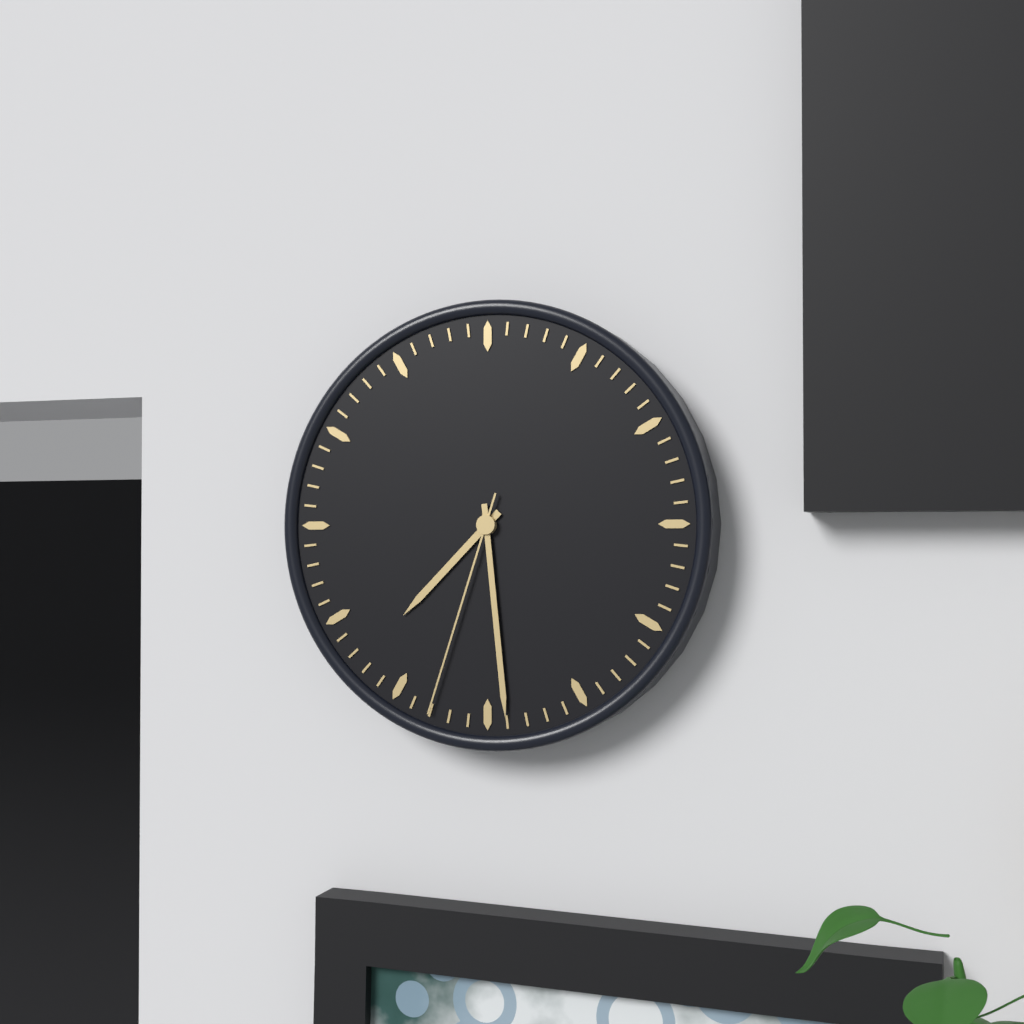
**7:29:33**
